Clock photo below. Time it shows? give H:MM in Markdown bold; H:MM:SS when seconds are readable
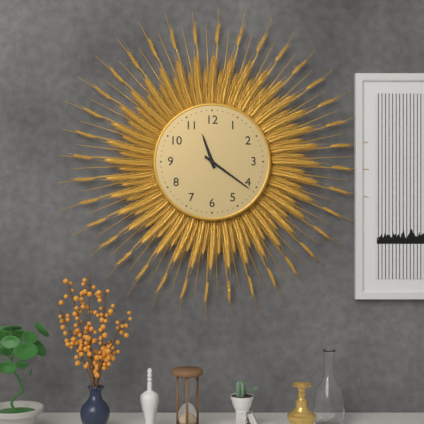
**11:21**
